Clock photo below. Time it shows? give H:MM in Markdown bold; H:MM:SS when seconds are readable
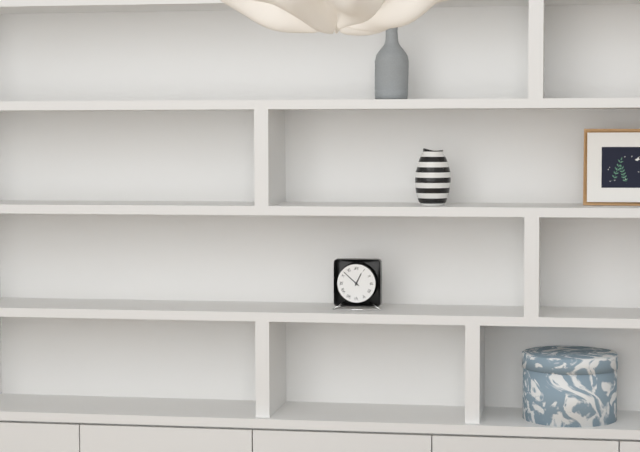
**12:52**
